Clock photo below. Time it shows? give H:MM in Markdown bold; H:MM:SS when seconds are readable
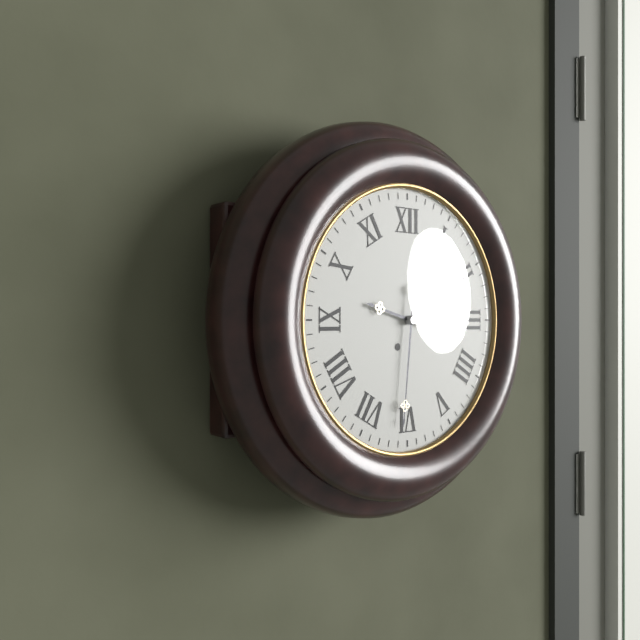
**9:31**
